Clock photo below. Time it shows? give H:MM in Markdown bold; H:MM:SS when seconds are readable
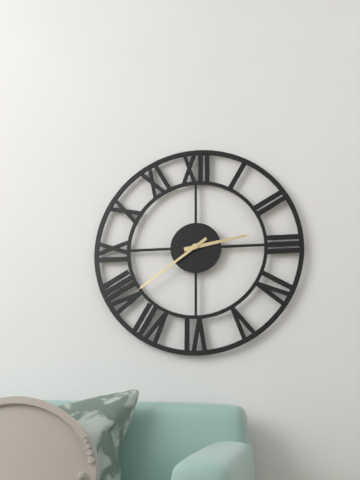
**2:39**
